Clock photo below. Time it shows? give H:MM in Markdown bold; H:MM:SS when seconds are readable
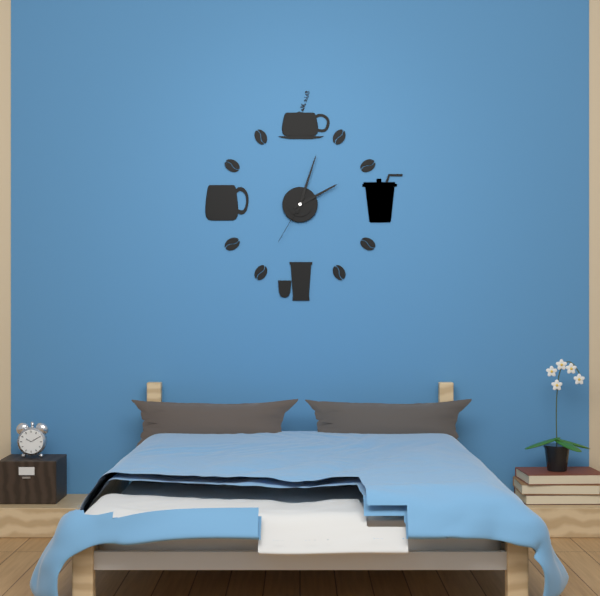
**2:03:35**
